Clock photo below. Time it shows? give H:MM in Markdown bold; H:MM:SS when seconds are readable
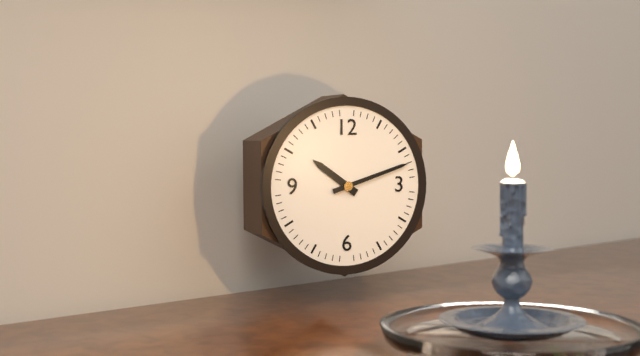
**10:12**
